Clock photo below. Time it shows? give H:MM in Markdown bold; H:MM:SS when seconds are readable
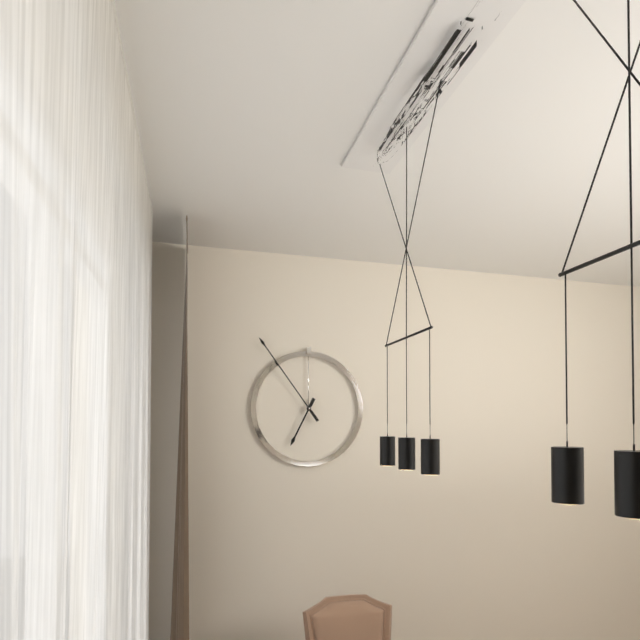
**6:54**
